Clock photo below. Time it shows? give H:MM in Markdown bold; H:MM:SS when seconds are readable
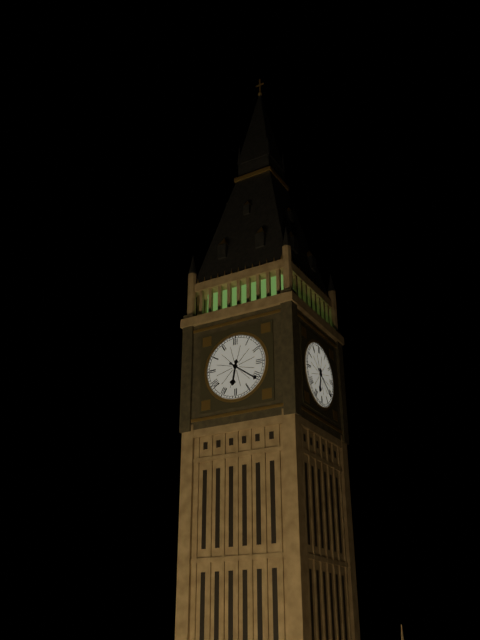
**6:21**
